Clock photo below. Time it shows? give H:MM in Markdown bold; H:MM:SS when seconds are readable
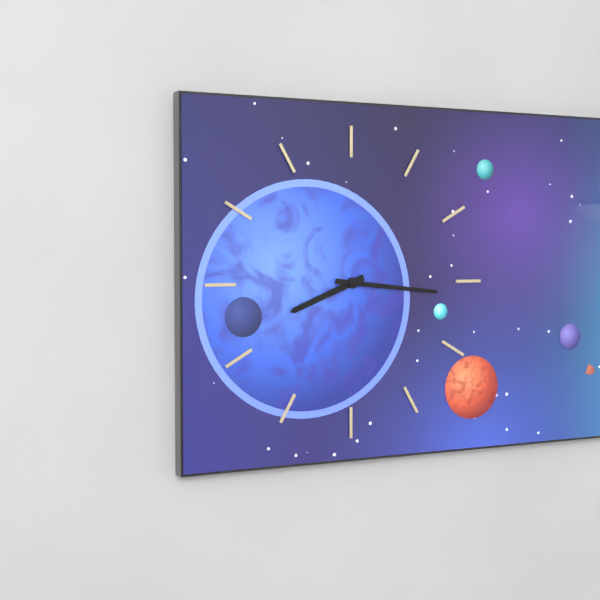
**8:16**
